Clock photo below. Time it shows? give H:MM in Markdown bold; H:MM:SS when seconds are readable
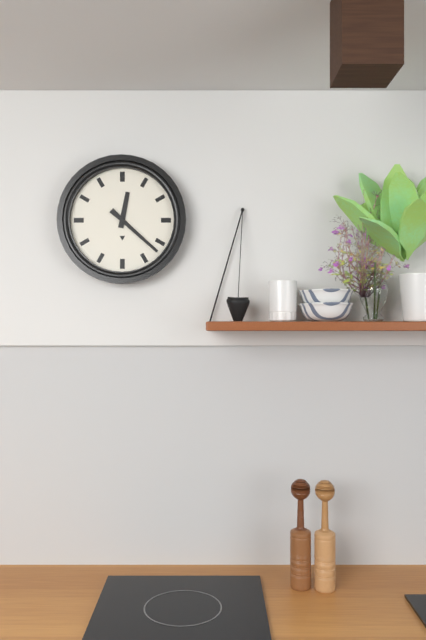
**12:22**
